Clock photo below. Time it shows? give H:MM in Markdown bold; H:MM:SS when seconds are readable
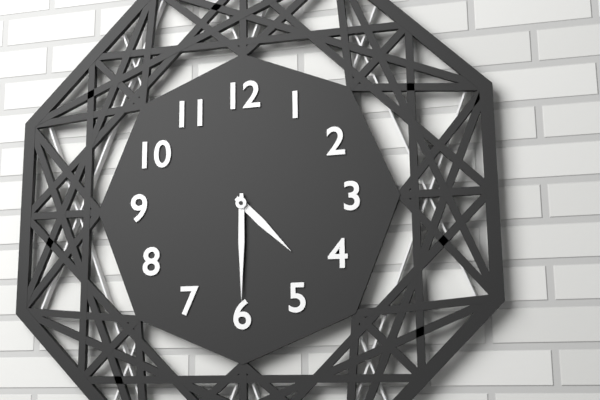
**4:30**
